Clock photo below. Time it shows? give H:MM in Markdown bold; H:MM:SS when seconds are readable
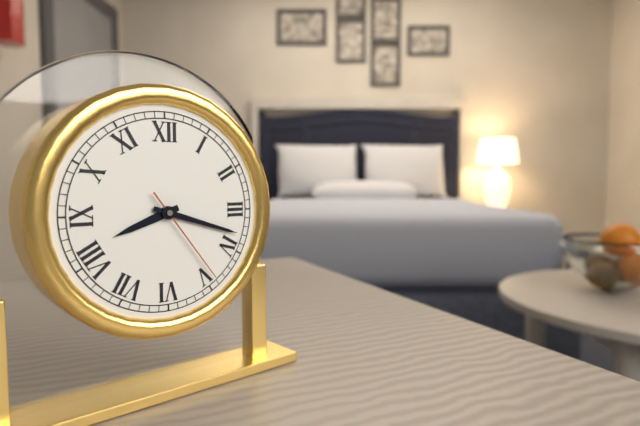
**8:18:24**
